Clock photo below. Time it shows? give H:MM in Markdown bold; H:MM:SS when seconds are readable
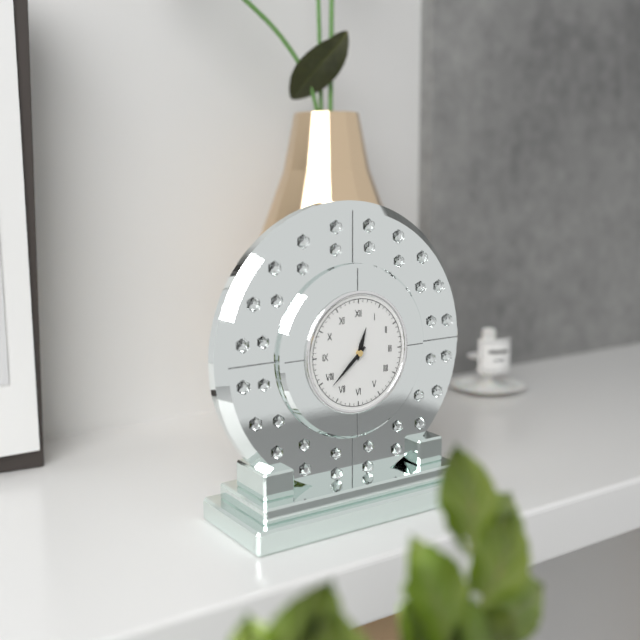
**12:38**
